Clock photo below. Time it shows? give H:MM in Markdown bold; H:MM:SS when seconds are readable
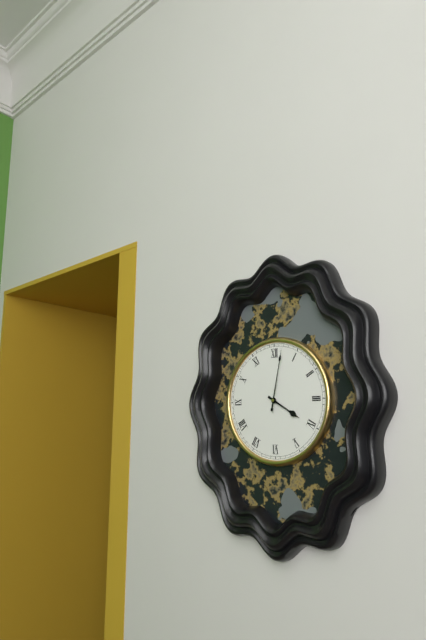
**4:02**
